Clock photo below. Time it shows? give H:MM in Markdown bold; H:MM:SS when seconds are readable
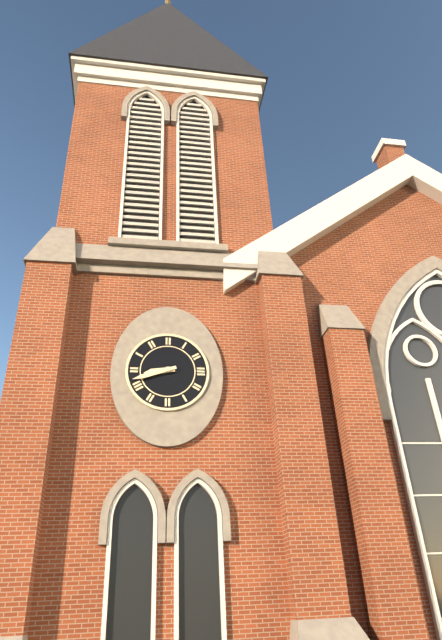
**8:42**
